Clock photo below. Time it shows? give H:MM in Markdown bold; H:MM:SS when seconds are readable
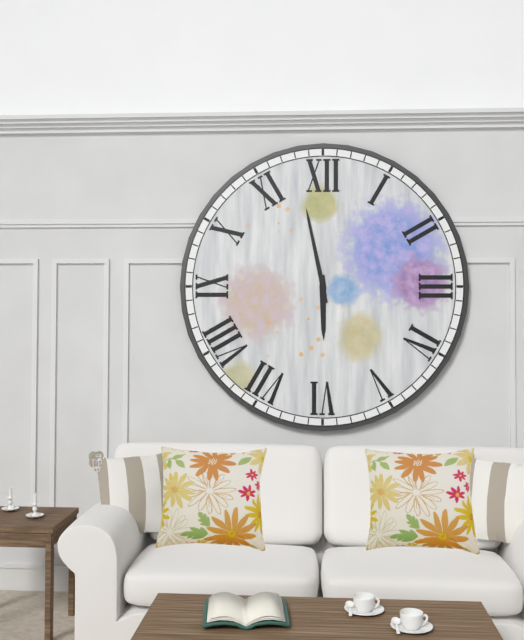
**5:58**
